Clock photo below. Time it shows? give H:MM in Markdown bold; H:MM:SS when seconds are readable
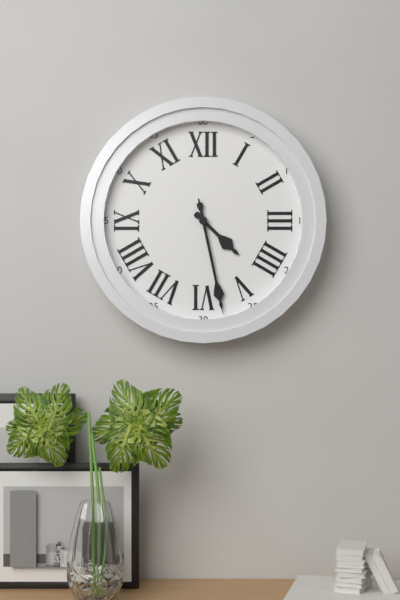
**4:28:28**
